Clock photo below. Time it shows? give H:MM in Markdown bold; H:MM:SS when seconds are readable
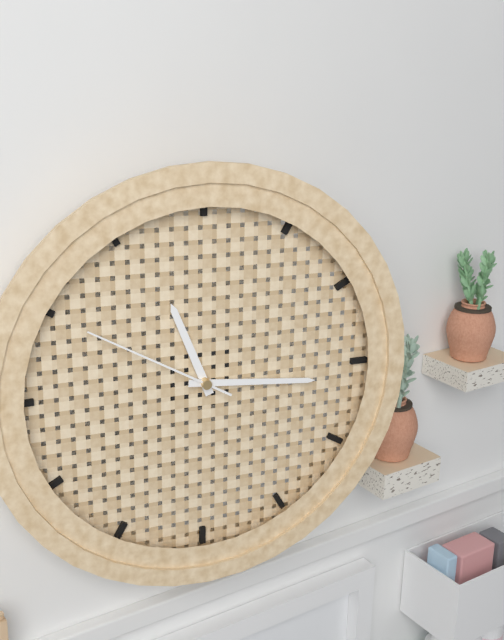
**11:16:50**
